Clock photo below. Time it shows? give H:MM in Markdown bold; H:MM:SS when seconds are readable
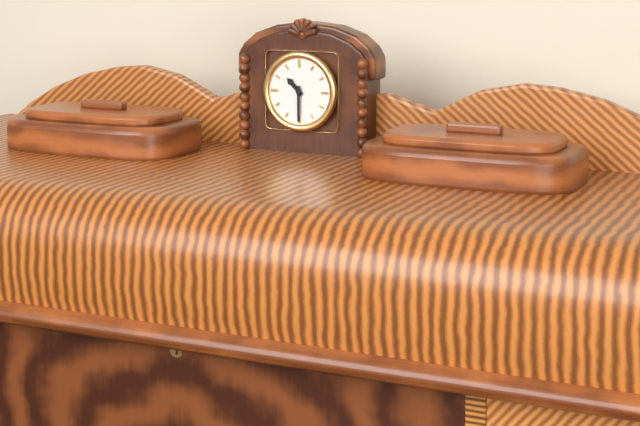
**10:30**
